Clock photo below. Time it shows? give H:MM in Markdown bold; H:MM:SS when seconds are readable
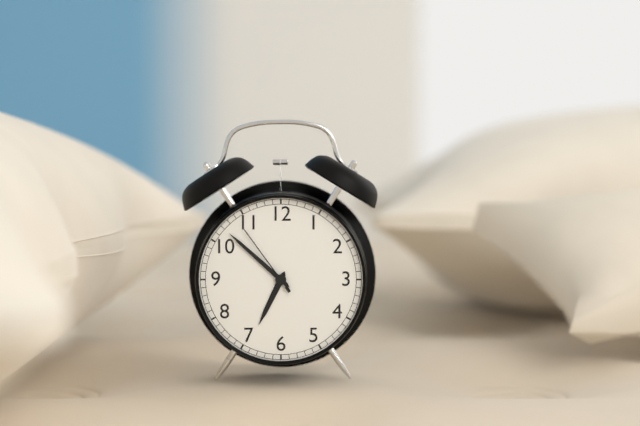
**6:52:54**
